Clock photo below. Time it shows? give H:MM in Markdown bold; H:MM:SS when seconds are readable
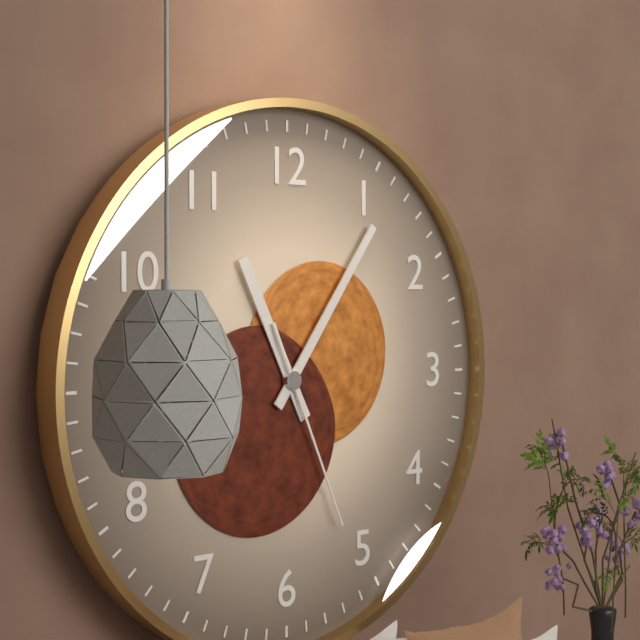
**11:06:26**
